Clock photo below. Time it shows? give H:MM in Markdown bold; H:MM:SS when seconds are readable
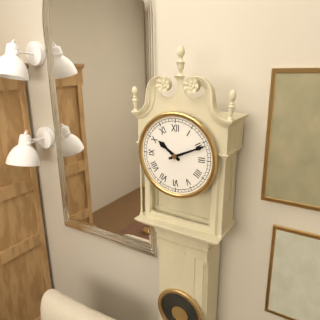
**10:11**
